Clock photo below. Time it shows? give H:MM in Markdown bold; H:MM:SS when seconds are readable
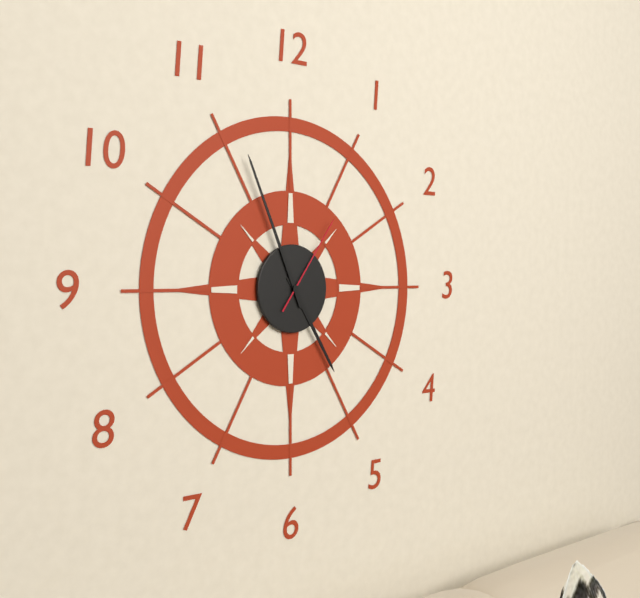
**4:56:06**
